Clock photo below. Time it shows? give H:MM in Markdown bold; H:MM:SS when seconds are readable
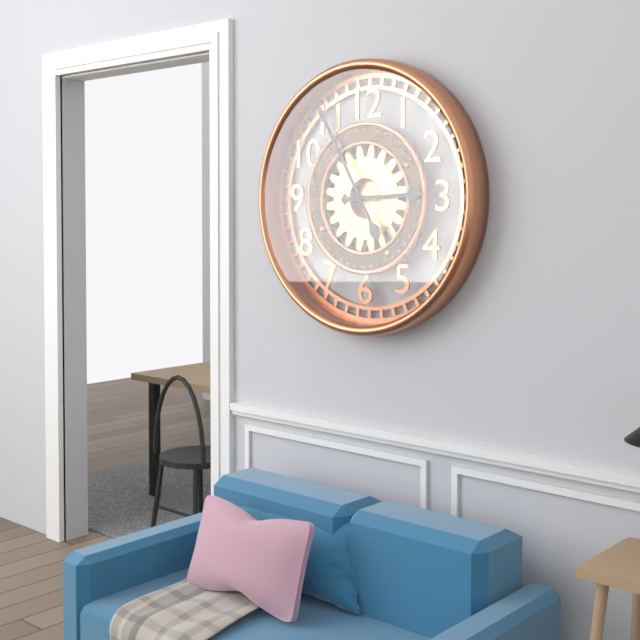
**2:55**
